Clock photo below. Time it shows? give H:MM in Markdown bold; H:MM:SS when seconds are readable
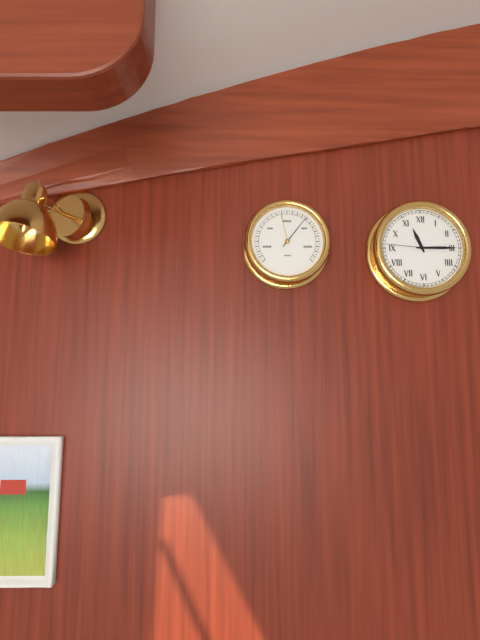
**11:15**
